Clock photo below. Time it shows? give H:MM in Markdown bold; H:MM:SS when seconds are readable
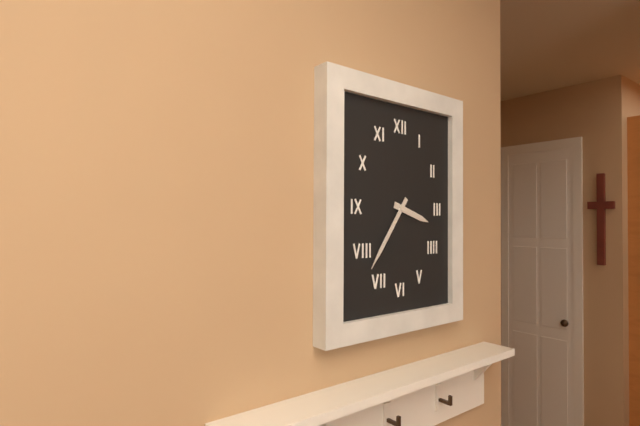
**3:36**
